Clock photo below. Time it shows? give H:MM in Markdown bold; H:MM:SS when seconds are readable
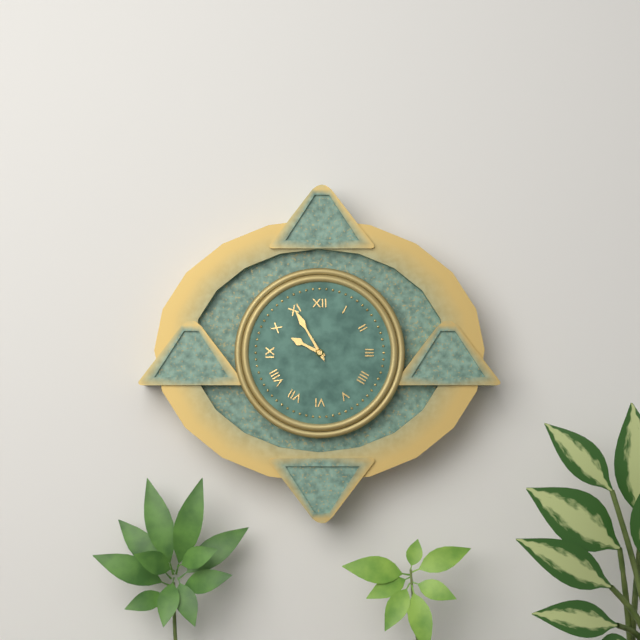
**9:55**
